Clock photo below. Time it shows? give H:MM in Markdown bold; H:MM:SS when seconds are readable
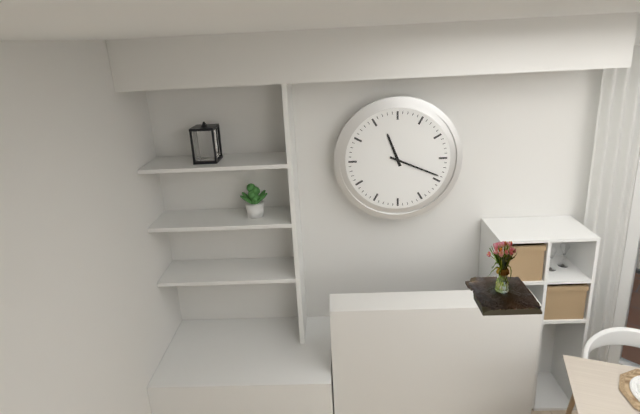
**11:19**
